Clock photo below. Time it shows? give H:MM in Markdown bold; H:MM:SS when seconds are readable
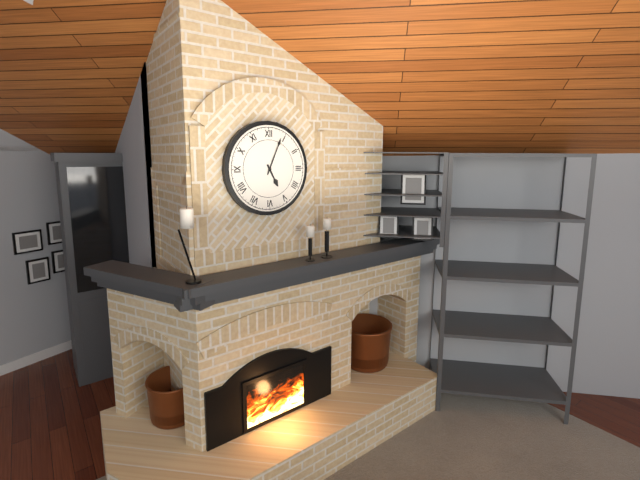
**5:04**
